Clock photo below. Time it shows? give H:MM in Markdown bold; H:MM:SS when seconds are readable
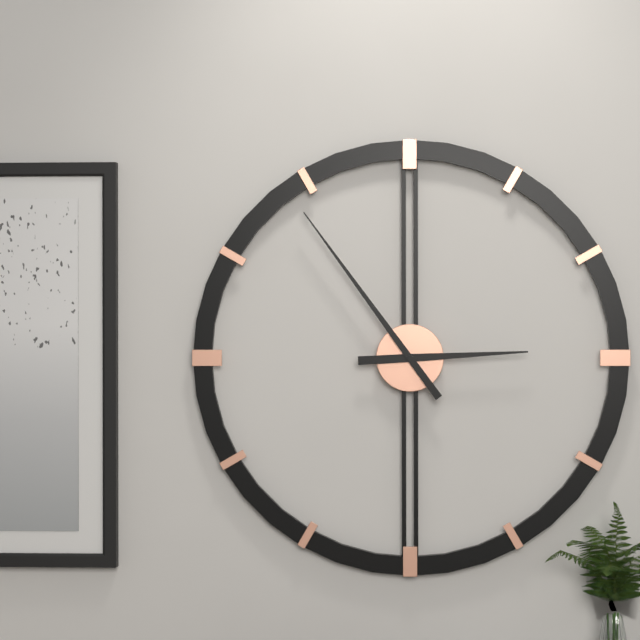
**2:54**
